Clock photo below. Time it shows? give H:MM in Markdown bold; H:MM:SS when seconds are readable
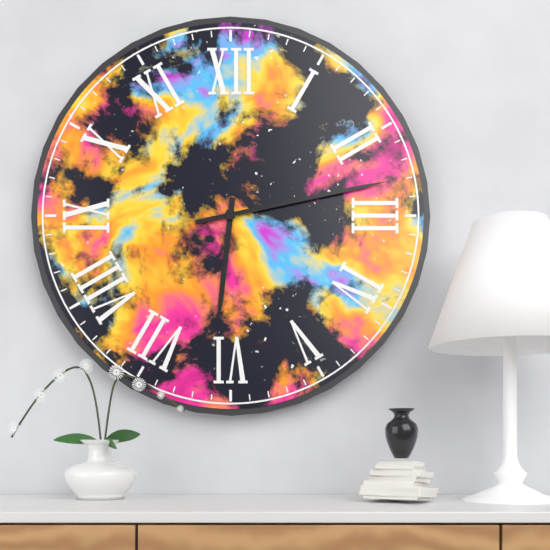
**6:13**
